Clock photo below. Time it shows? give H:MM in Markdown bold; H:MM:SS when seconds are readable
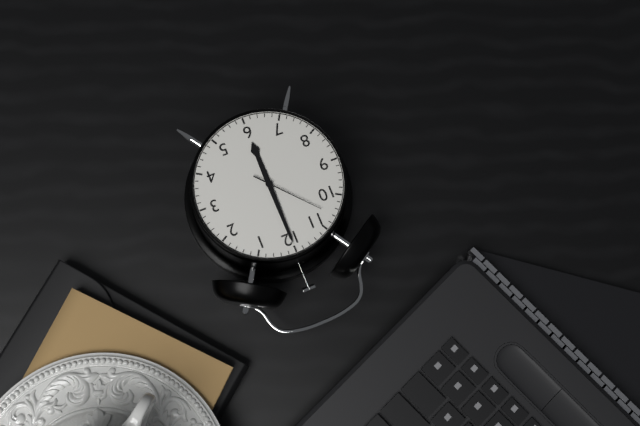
**6:00:53**
